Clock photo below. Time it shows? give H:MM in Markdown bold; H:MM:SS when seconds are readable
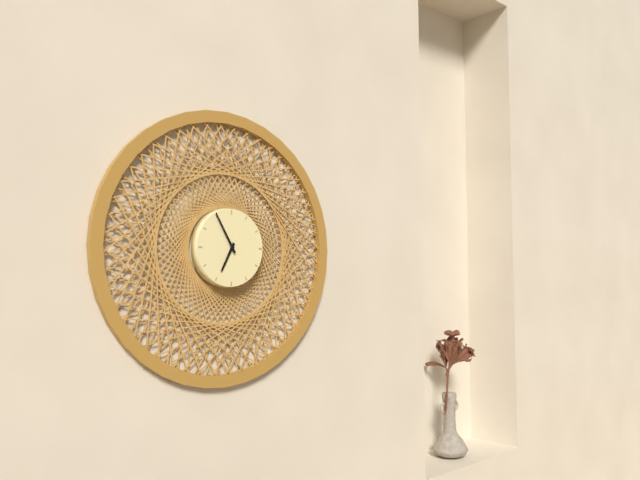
**6:55**
